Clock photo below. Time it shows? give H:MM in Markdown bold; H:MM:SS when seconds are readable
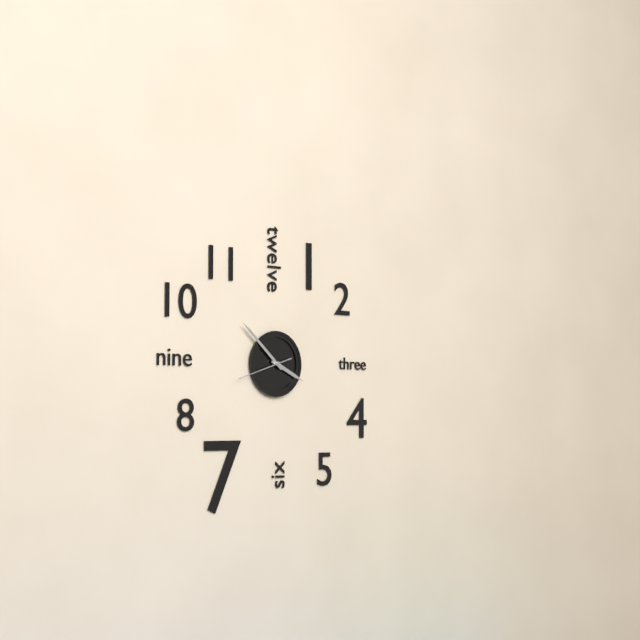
**3:52**
